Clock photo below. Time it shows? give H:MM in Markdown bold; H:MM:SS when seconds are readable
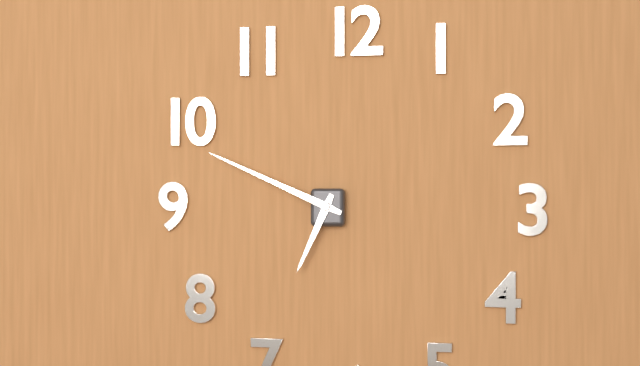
**6:49**
